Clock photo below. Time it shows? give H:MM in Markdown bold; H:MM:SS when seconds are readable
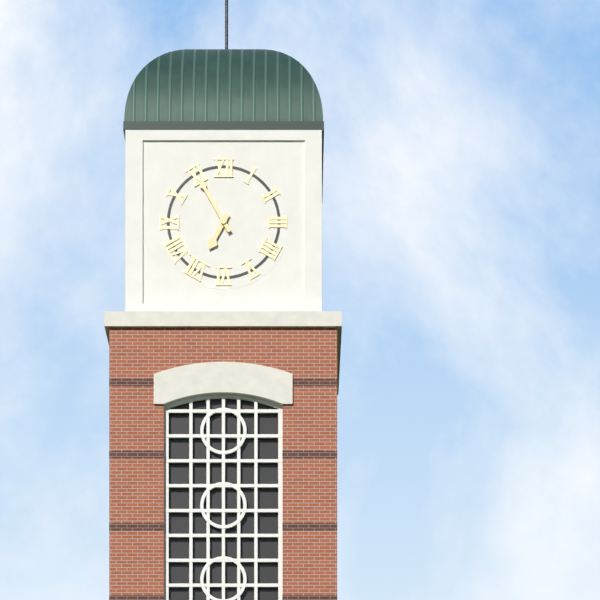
**6:55**
